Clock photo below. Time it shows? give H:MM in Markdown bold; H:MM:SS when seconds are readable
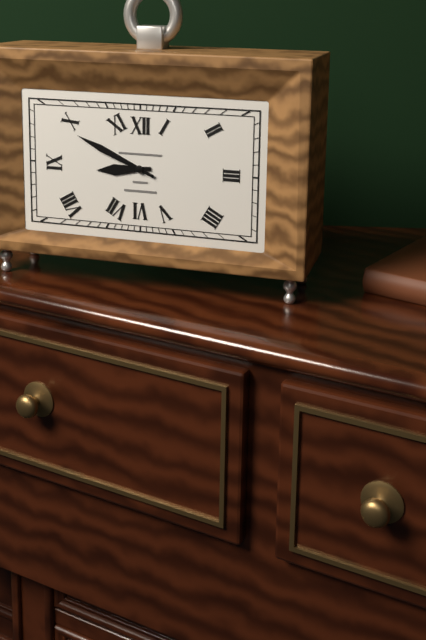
**8:49**
